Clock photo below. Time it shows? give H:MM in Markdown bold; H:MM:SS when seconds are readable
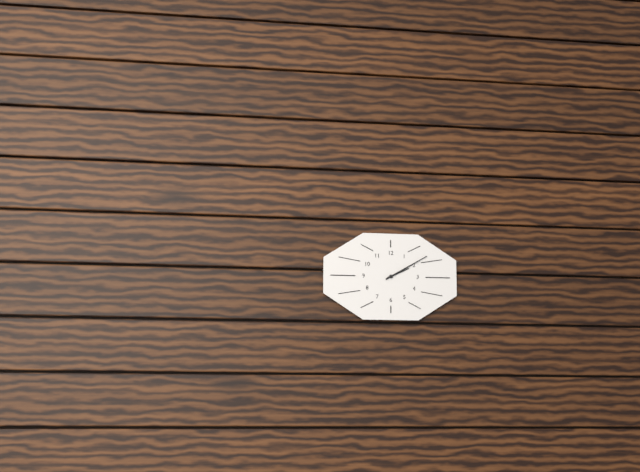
**2:10**
